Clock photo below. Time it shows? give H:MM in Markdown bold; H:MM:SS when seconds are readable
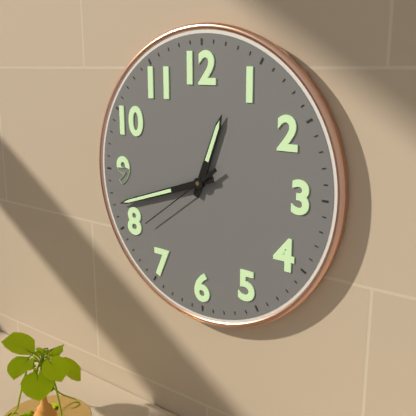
**12:42:39**
